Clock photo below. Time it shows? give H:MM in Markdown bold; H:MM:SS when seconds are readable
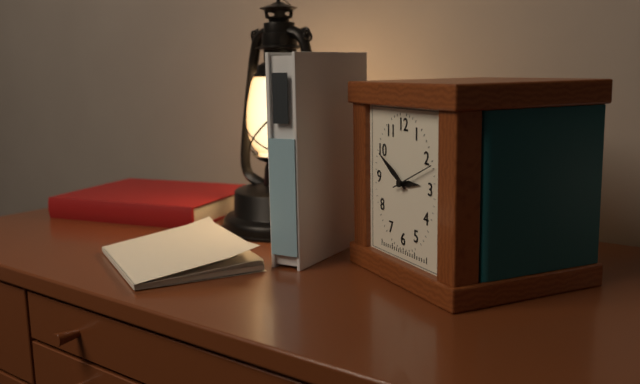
**2:50**
